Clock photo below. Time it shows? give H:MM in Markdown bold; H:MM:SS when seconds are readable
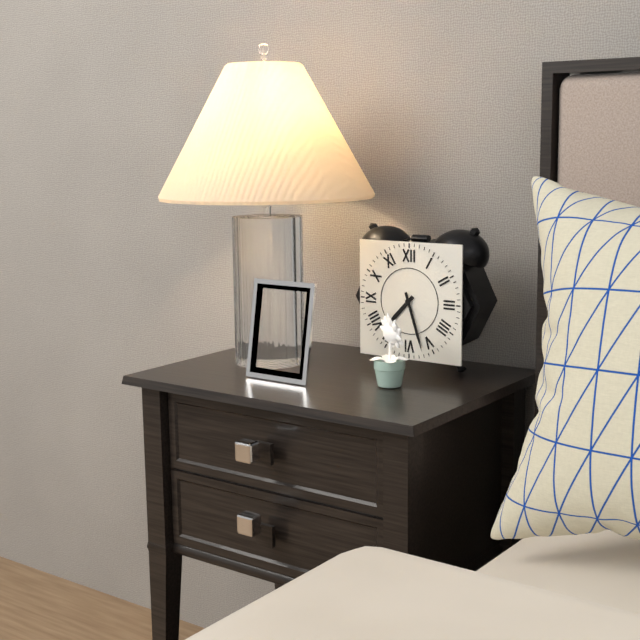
**7:27**
